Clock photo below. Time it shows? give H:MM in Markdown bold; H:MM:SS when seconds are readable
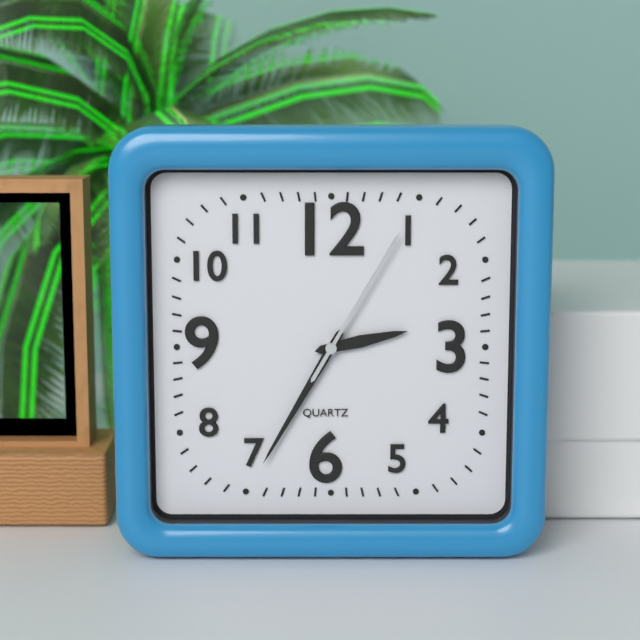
**2:35:05**
